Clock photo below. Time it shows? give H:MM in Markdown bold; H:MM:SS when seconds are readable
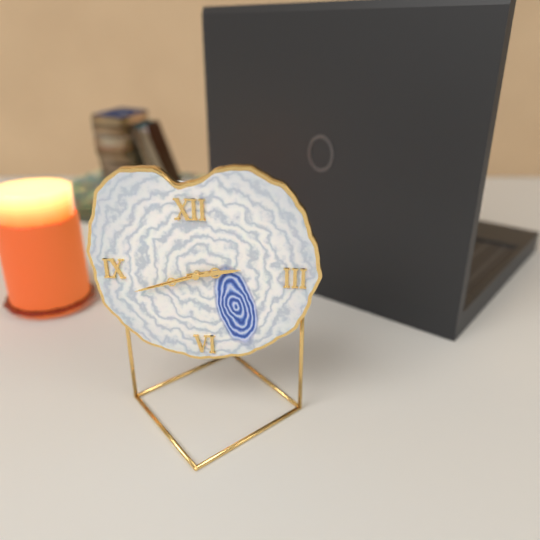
**2:42:42**
